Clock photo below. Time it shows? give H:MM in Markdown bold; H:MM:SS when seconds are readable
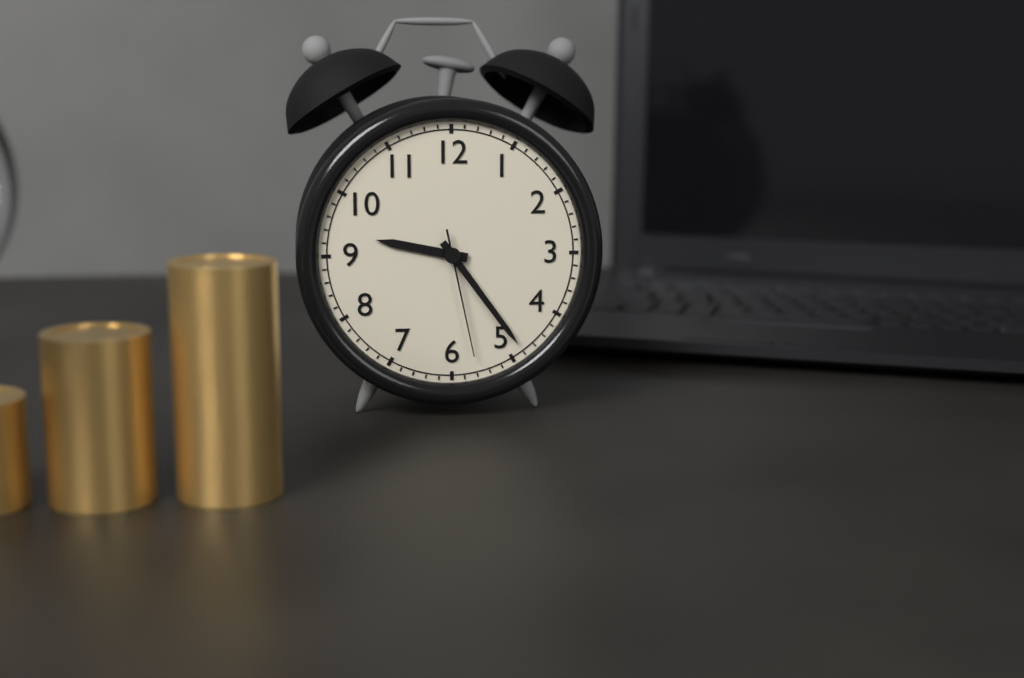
**9:24:28**
